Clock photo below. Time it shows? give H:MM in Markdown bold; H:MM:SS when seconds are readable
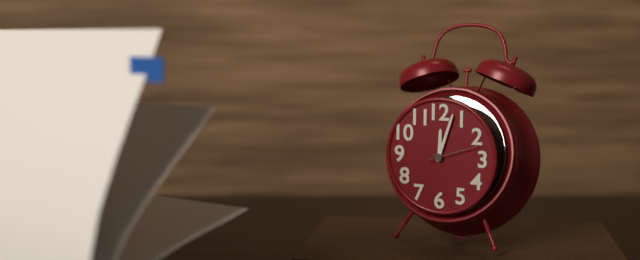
**12:03:12**
